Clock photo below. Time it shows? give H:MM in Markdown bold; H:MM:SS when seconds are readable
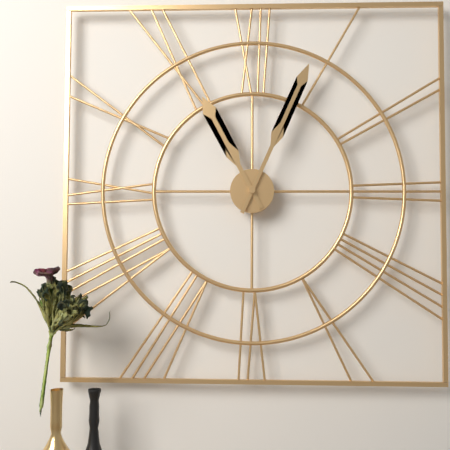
**11:04**
